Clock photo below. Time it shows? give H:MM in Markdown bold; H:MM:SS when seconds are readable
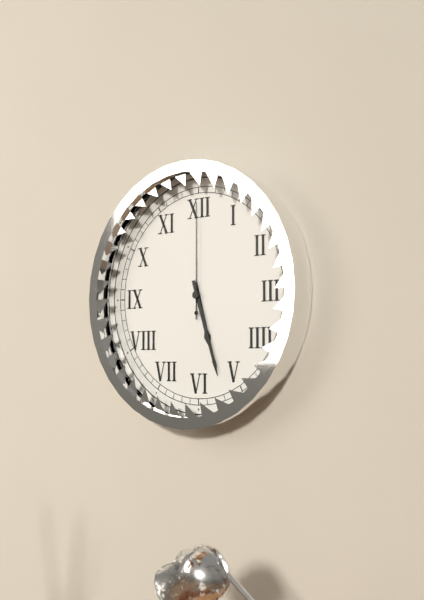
**5:27:00**
